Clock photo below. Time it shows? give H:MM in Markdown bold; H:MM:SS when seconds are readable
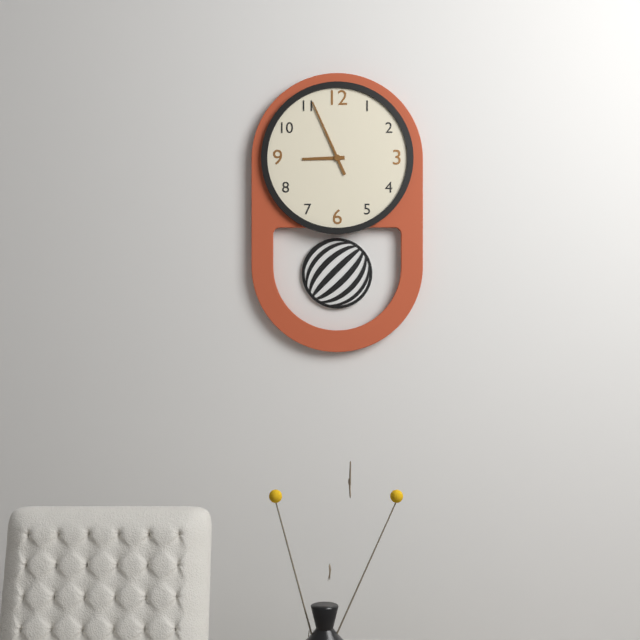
**8:56**
